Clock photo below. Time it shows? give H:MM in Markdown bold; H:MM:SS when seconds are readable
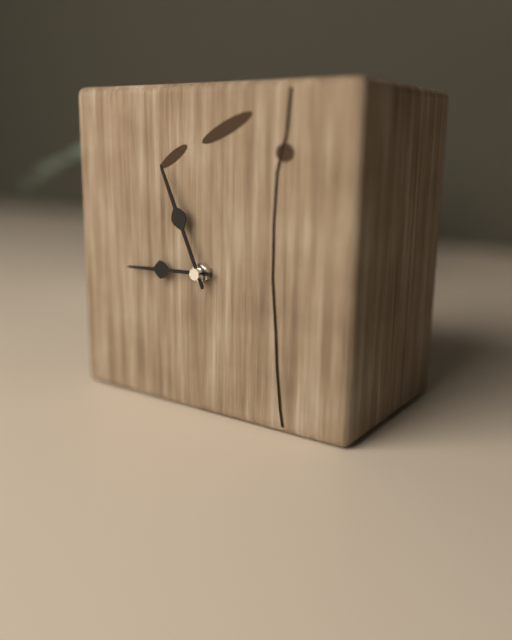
**8:56**
